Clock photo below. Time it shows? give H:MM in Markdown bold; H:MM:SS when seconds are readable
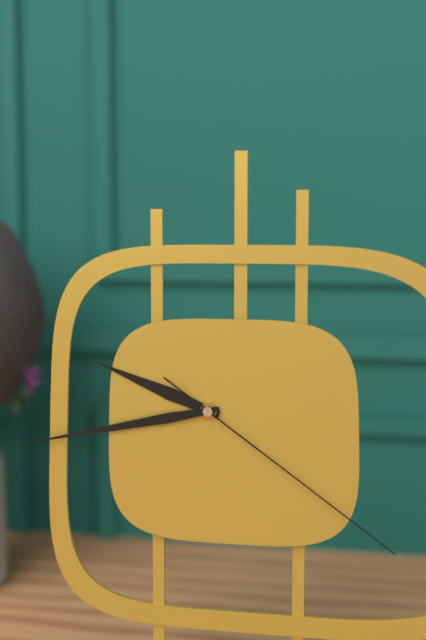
**9:43:21**
